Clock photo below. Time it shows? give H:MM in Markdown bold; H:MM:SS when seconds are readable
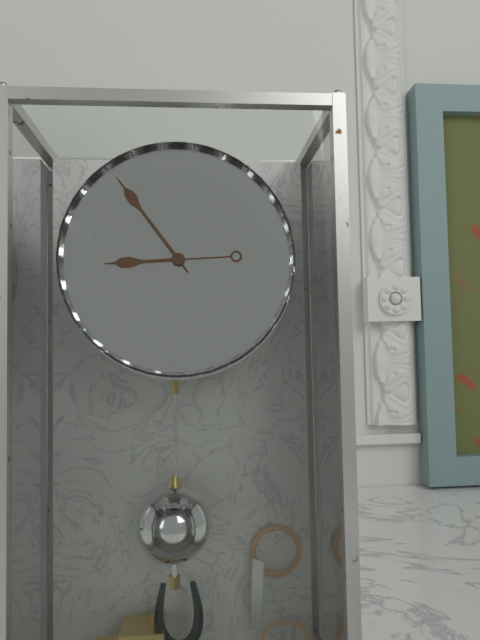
**8:54**
